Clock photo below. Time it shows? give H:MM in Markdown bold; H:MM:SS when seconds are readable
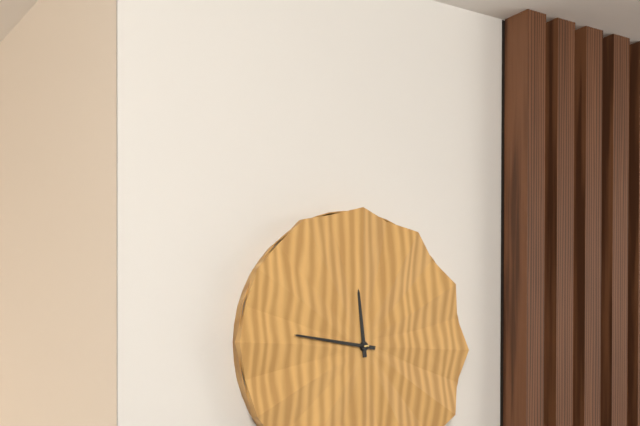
**11:46**
